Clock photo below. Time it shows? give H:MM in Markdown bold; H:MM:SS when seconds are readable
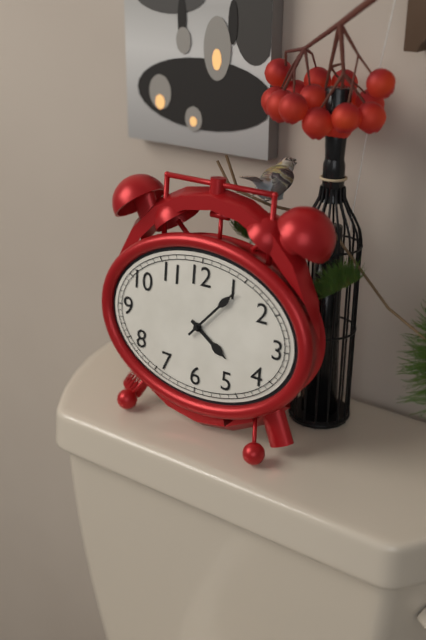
**4:07**
